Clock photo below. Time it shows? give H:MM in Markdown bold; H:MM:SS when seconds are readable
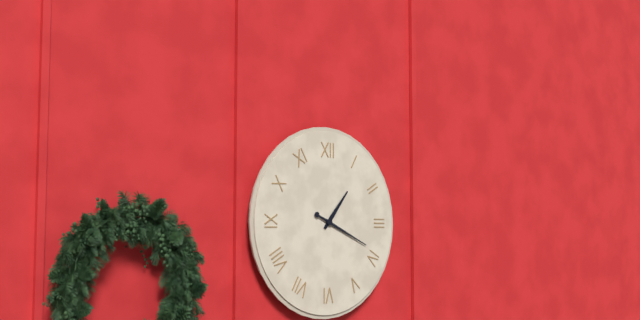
**1:19**
